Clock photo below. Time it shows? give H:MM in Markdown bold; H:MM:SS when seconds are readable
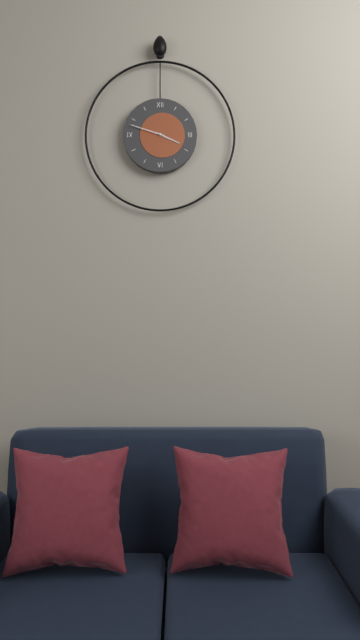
**3:48**
